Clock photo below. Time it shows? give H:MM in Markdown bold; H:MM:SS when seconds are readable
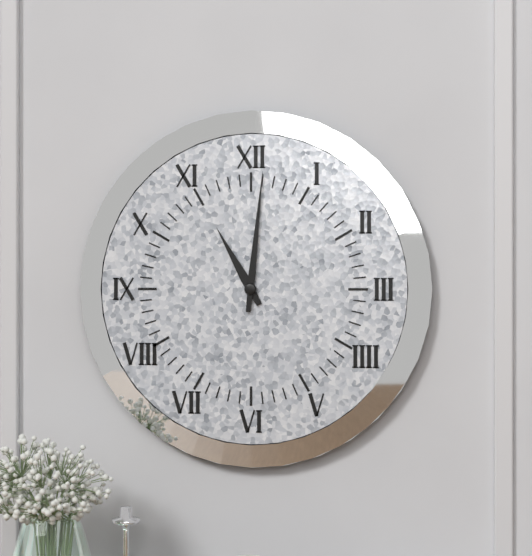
**11:01**
